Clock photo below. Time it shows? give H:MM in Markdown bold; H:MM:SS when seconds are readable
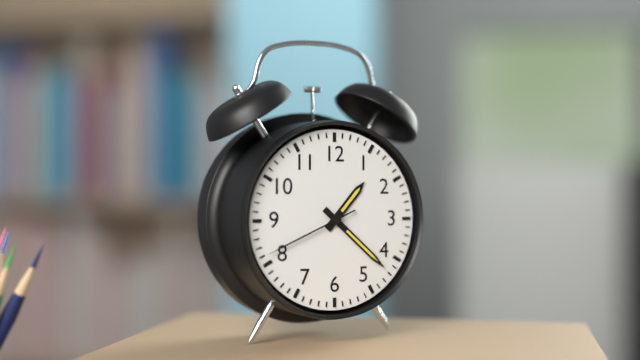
**1:22:41**
